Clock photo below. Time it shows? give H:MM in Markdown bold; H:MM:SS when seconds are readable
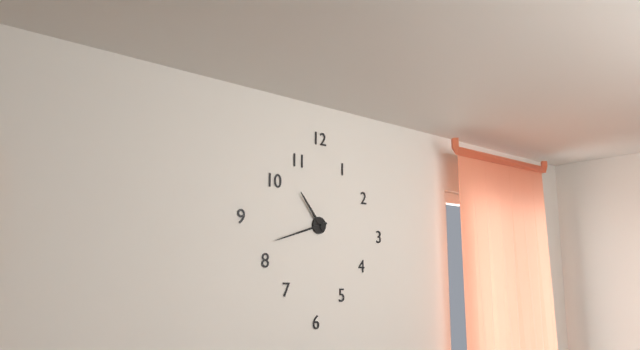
**10:42**
